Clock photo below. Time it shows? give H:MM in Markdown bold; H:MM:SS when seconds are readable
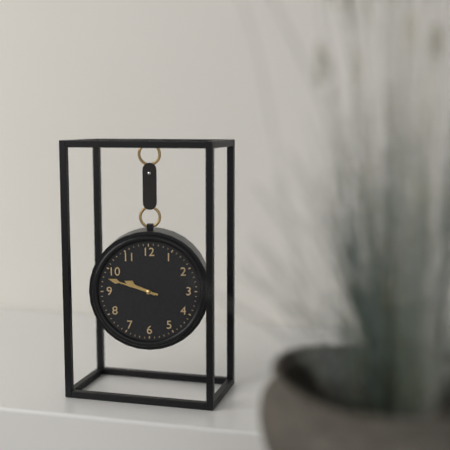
**9:48**
